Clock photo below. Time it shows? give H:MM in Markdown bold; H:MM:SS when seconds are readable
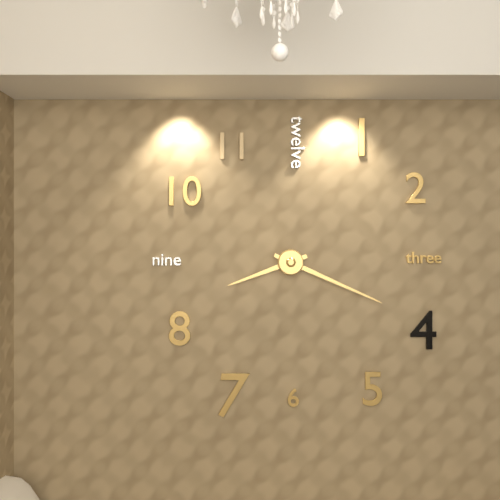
**8:19**
